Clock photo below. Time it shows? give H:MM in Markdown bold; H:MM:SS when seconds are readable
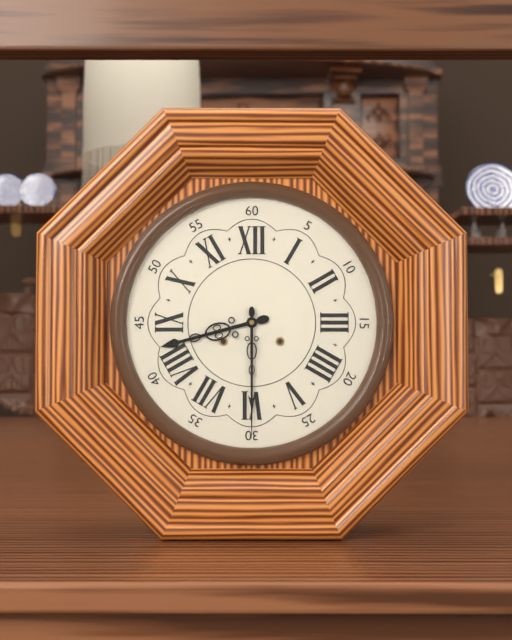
**8:30**
